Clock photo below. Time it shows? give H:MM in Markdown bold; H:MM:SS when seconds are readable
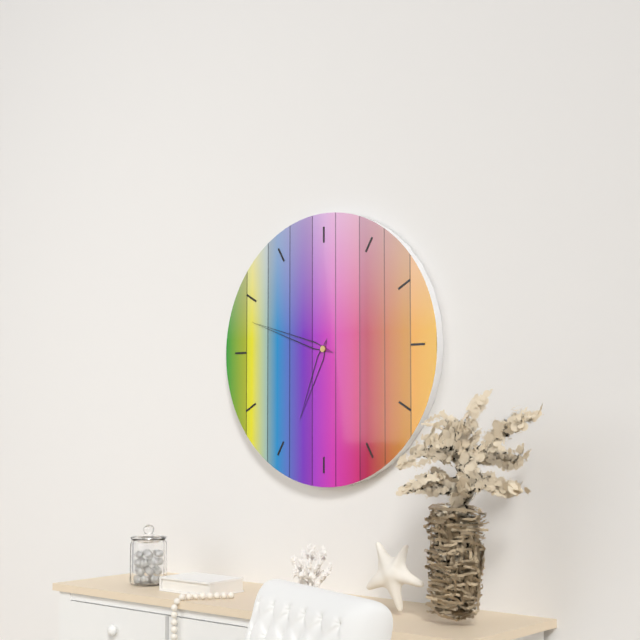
**6:48**
